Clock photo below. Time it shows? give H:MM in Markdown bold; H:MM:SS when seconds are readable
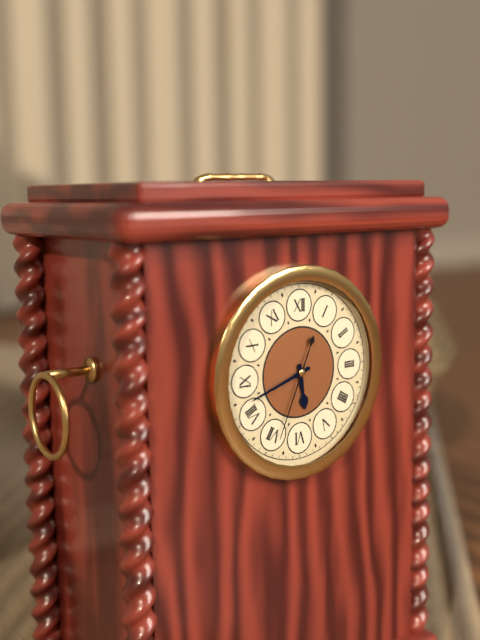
**5:42:34**
